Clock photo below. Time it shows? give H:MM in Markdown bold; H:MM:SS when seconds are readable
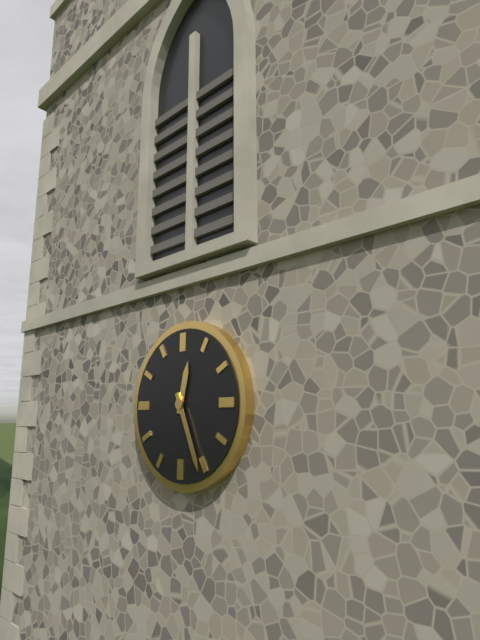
**12:26**
